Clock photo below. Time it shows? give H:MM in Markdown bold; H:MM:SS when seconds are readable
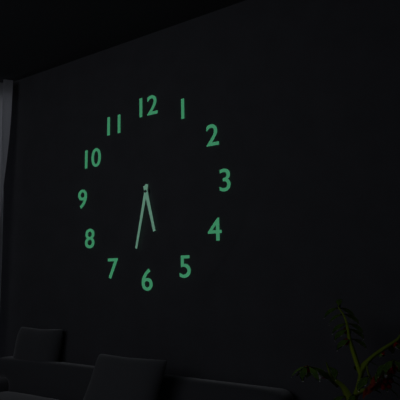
**5:32**
